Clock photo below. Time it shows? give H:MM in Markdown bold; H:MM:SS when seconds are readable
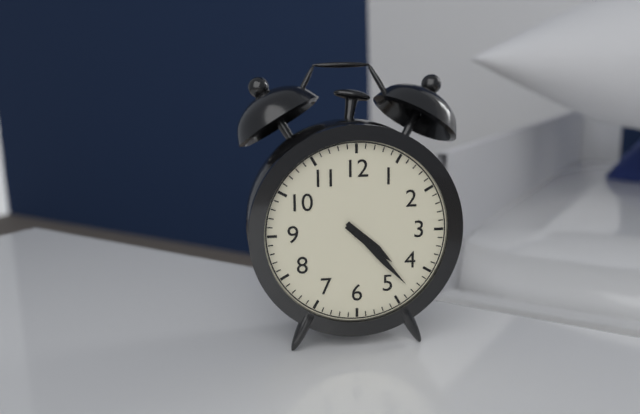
**4:23**
